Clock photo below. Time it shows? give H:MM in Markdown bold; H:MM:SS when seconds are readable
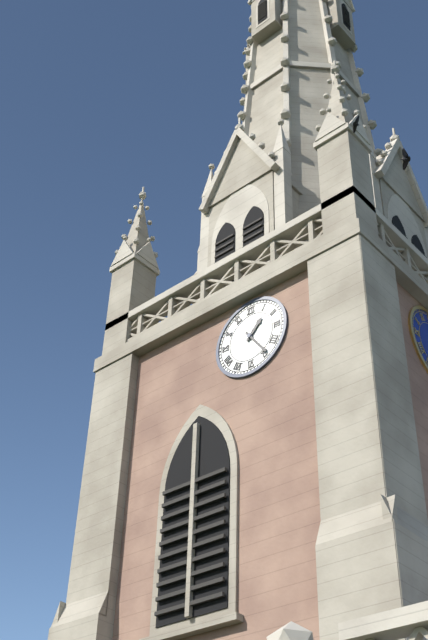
**1:24**
